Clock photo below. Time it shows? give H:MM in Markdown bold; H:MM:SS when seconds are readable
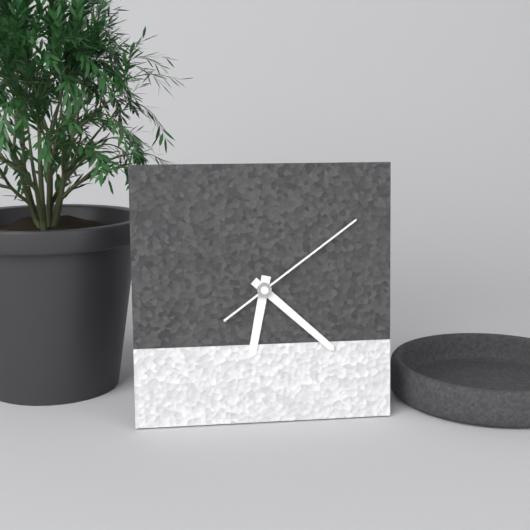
**6:22:09**
